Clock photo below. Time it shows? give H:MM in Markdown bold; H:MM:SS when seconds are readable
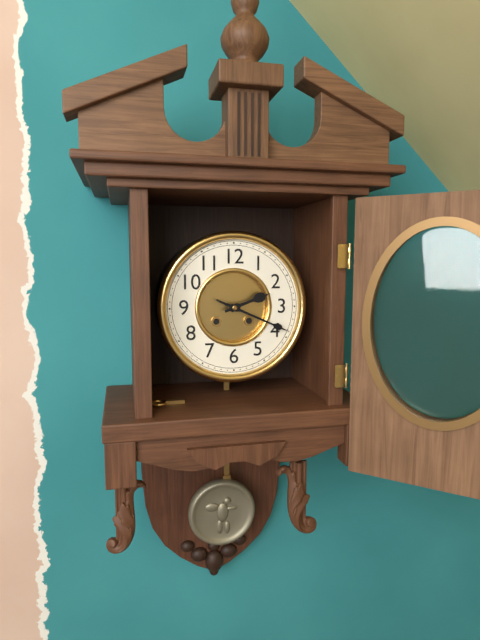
**2:19**
